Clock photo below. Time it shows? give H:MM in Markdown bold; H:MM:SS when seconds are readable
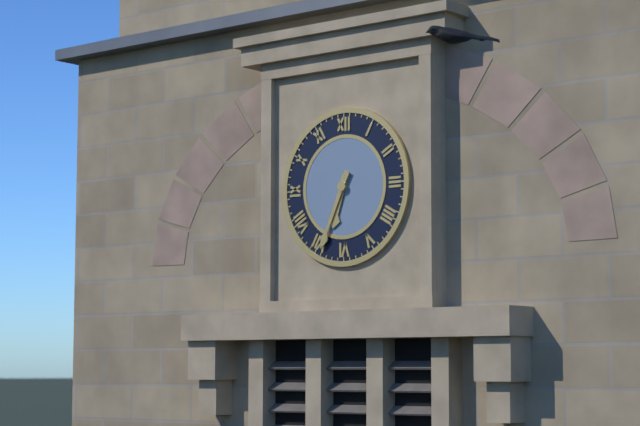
**6:34**
